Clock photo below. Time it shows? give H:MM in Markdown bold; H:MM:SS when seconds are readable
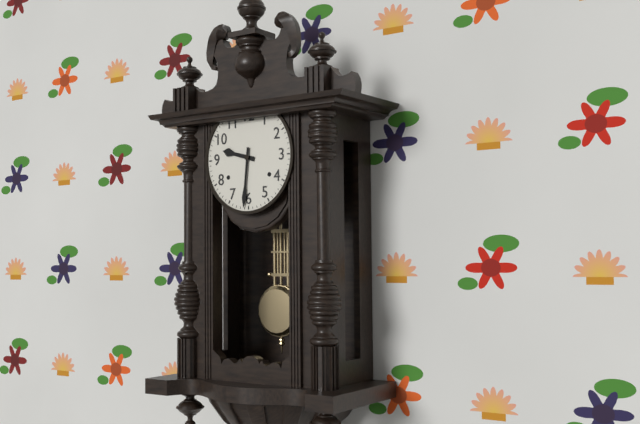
**9:31**
